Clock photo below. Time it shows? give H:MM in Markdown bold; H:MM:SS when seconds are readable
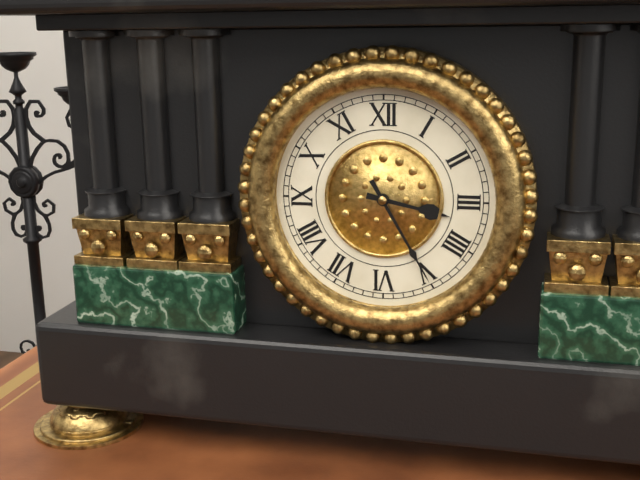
**3:25**
